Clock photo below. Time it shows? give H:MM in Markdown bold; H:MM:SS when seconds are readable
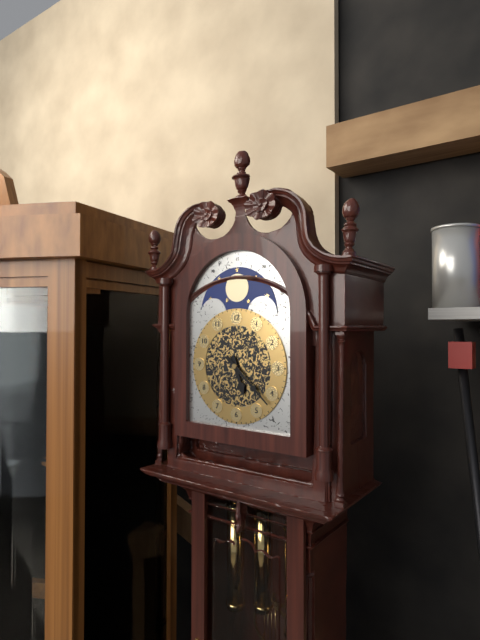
**5:22**
